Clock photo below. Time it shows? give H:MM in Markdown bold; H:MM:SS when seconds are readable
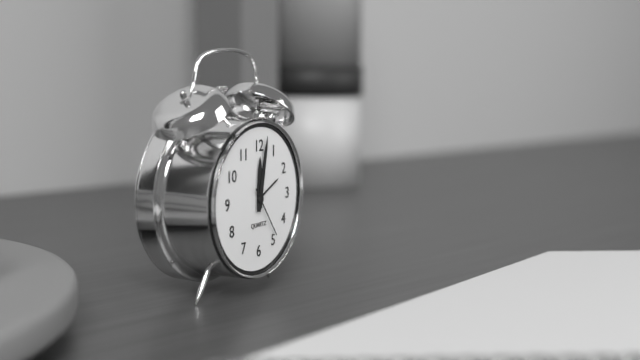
**12:02**
